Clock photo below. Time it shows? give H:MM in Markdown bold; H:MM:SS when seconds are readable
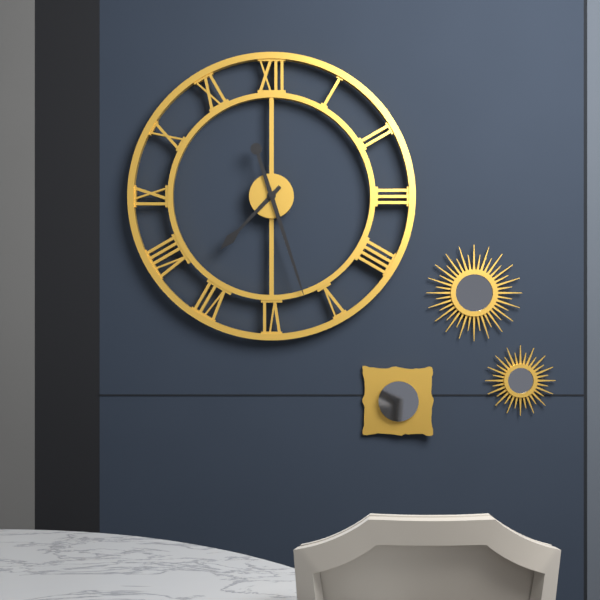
**7:27**
